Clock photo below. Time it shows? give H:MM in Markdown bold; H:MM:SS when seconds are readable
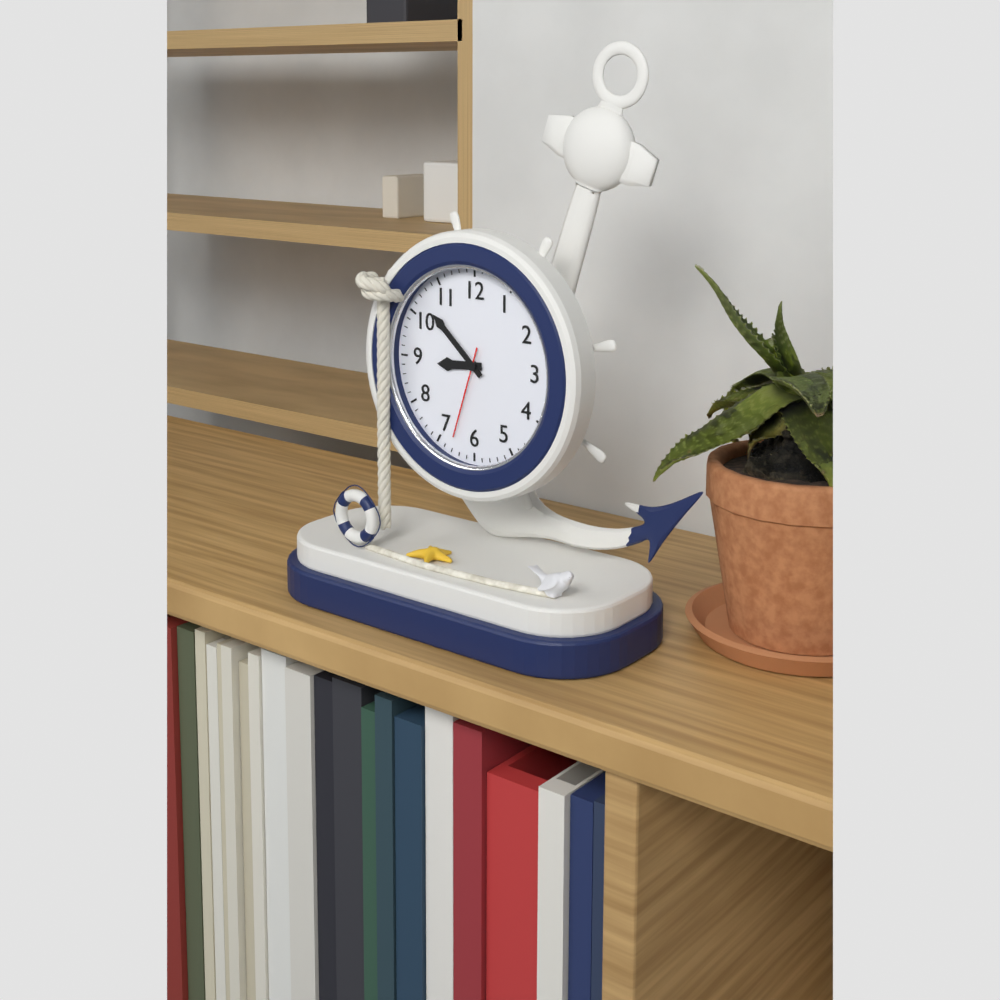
**8:52:33**
